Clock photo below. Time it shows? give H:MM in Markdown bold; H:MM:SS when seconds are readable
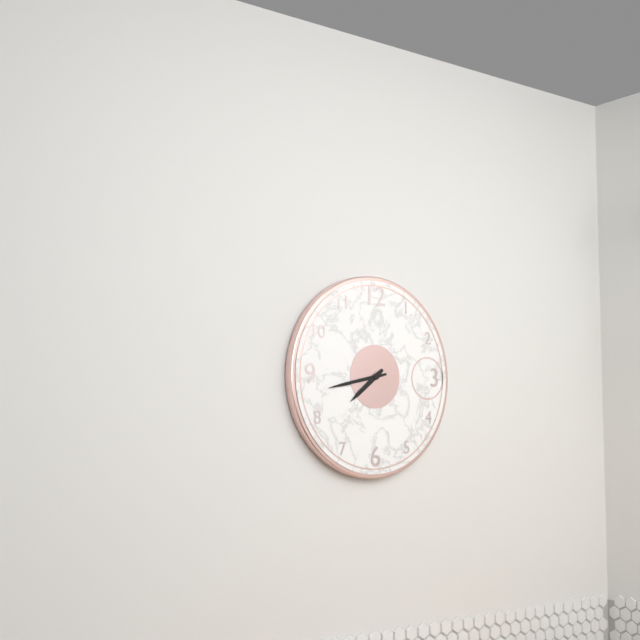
**7:43**
